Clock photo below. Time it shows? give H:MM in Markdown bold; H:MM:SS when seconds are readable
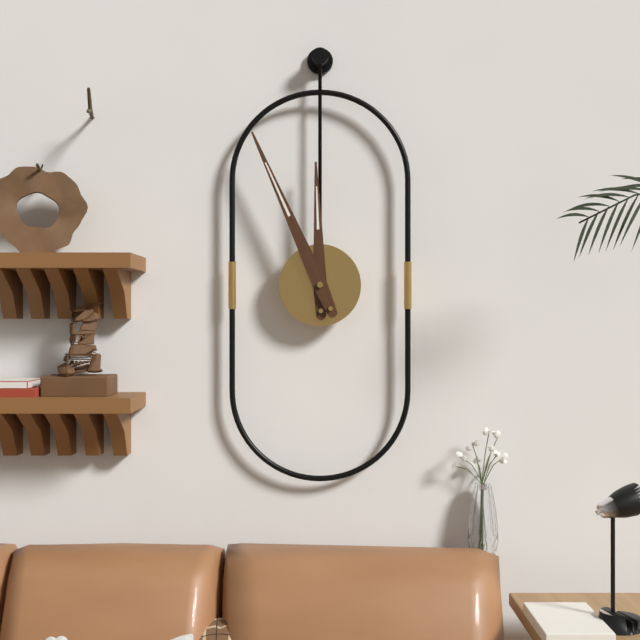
**11:56**
